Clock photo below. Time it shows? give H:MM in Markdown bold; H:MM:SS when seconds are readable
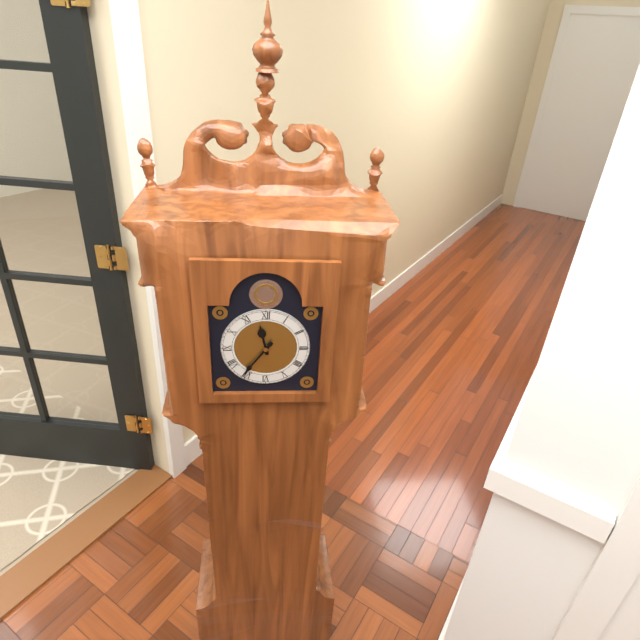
**11:36**
